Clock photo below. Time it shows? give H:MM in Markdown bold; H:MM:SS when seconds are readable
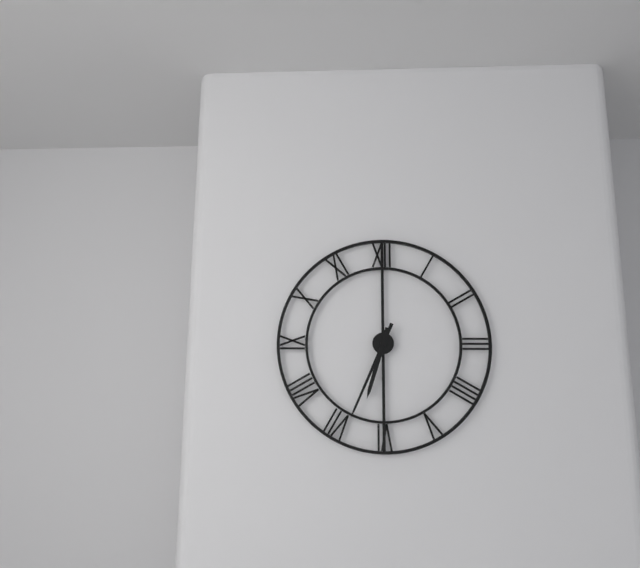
**6:34**
